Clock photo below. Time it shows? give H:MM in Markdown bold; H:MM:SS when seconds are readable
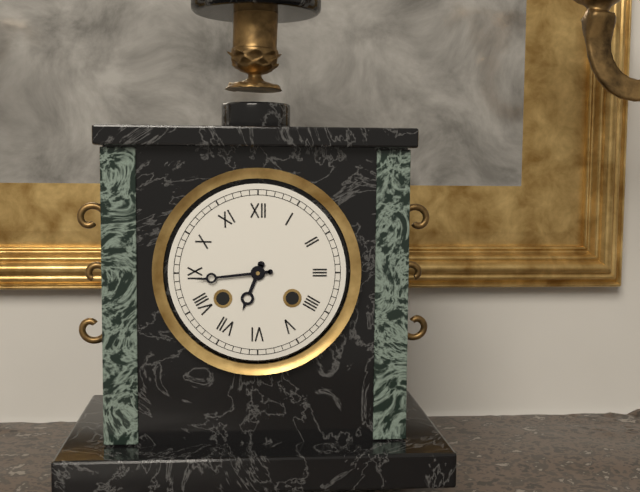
**6:44**
